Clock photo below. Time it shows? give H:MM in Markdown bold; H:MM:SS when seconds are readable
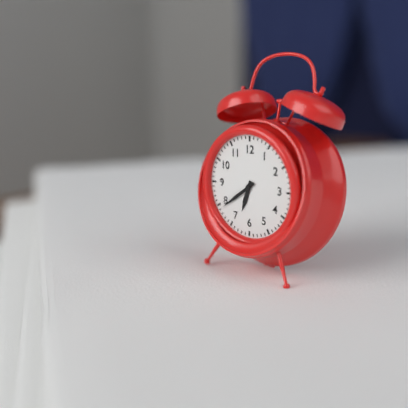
**6:39**
